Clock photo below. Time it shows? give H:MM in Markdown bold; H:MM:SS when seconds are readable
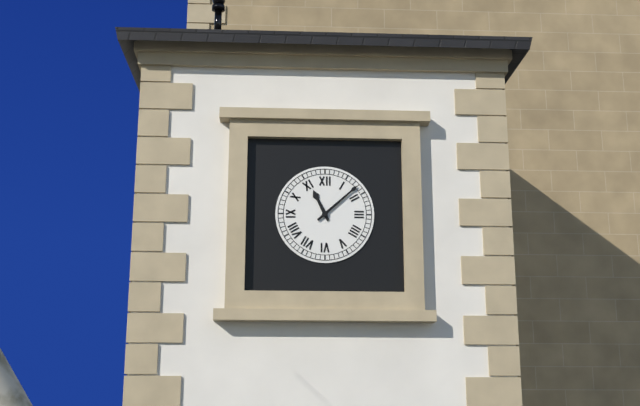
**11:08**
